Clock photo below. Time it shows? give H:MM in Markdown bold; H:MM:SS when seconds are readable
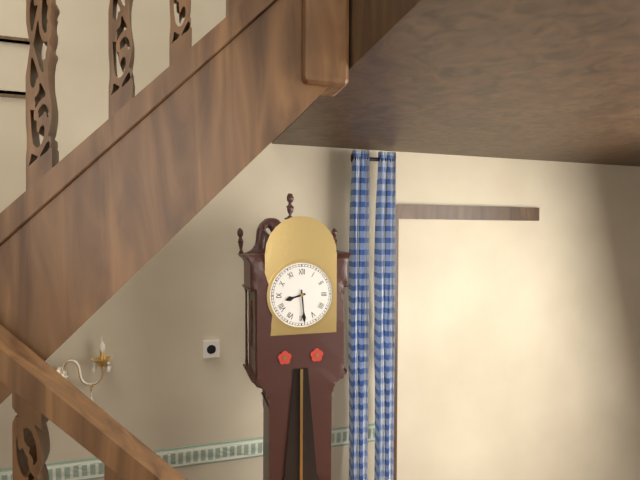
**8:29**
